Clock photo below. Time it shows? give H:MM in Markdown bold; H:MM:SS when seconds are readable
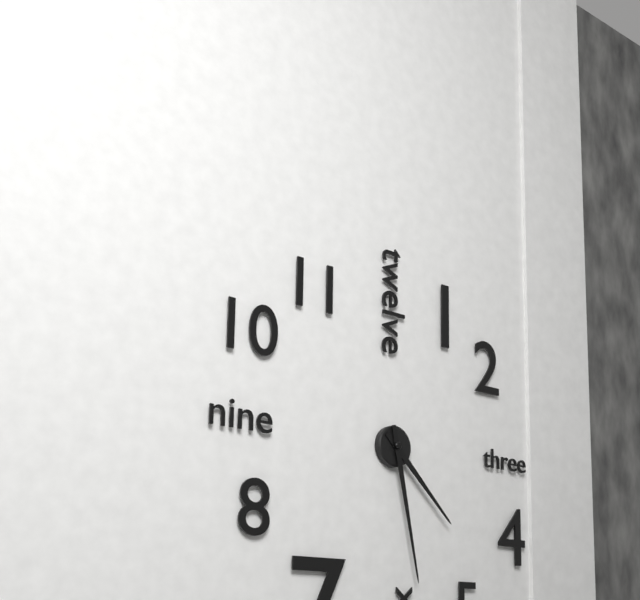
**4:28**
